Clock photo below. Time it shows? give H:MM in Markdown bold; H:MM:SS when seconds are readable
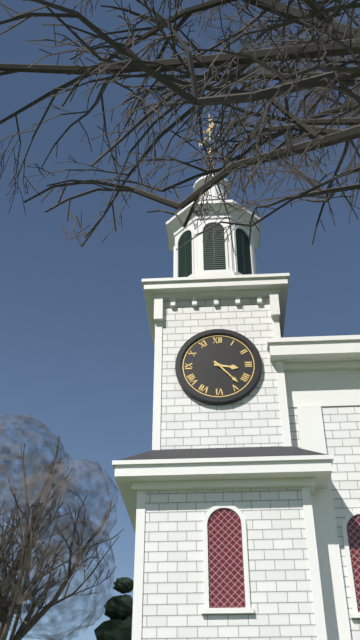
**3:23**
